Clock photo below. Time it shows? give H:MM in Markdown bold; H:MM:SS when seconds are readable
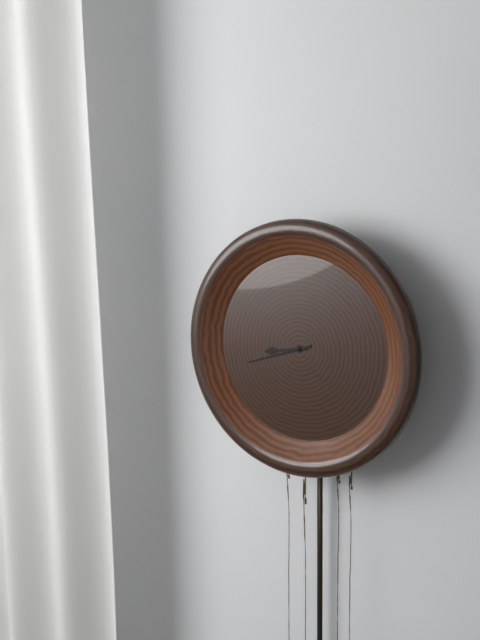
**8:42**
